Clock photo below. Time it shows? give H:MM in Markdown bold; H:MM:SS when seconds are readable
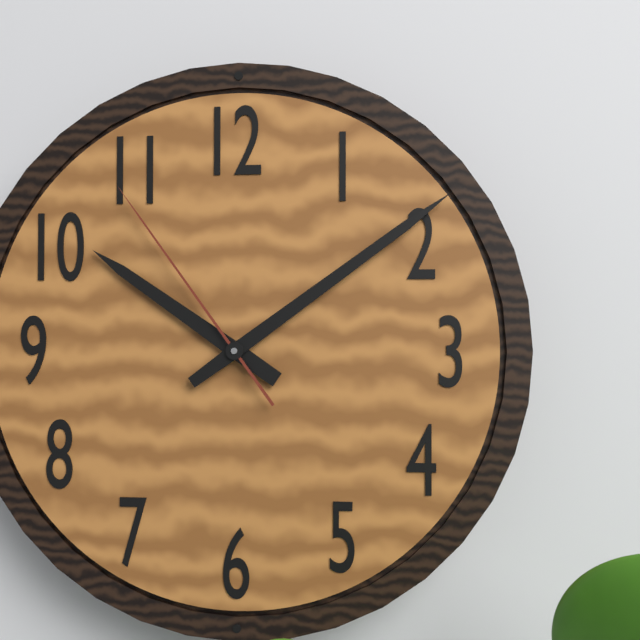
**10:09:54**
